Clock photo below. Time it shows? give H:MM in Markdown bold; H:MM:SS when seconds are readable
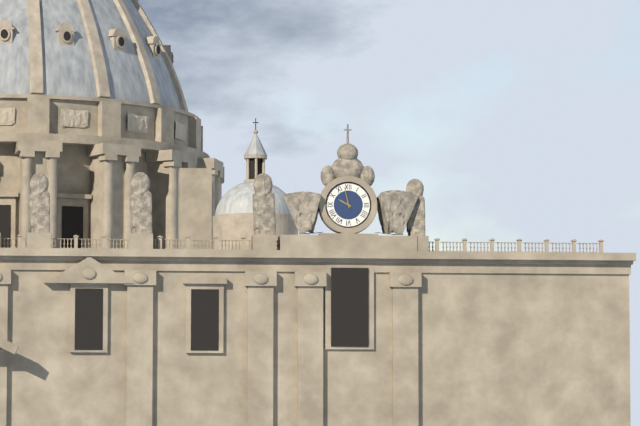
**9:58**
